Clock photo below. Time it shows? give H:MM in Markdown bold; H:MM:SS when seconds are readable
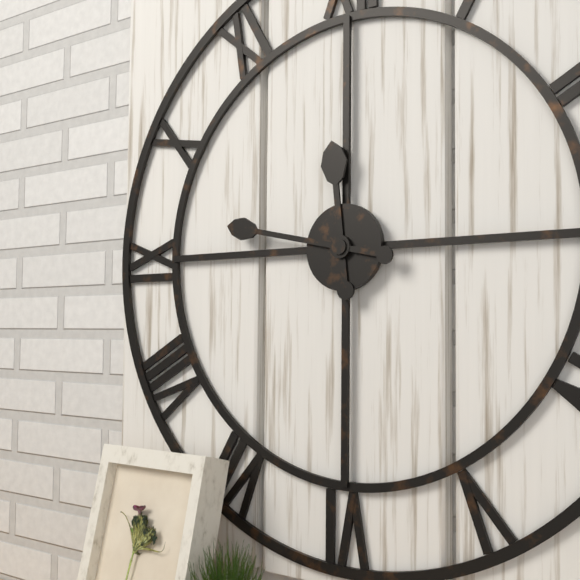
**11:47**
